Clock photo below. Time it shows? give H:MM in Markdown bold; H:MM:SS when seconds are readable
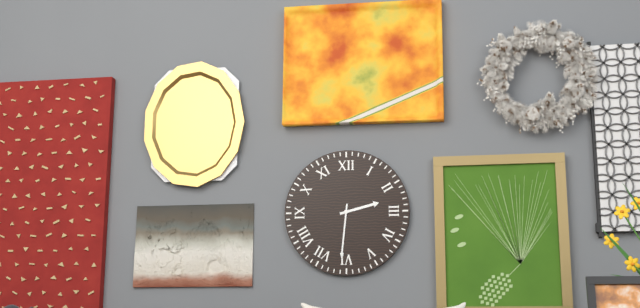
**2:31**
